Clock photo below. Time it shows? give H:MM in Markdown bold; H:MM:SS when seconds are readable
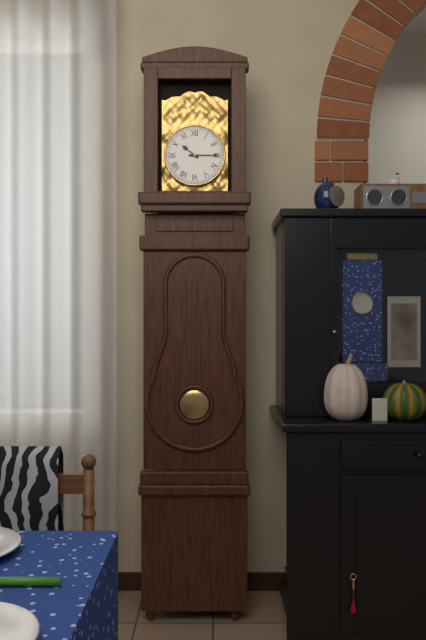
**10:15**
